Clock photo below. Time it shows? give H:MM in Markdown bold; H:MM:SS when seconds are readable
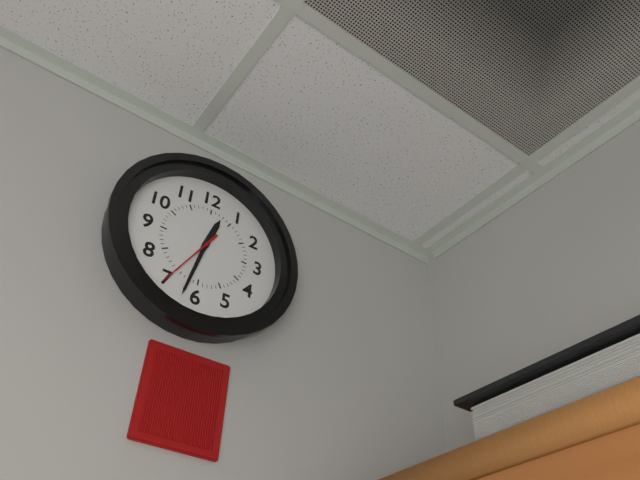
**12:32:35**
